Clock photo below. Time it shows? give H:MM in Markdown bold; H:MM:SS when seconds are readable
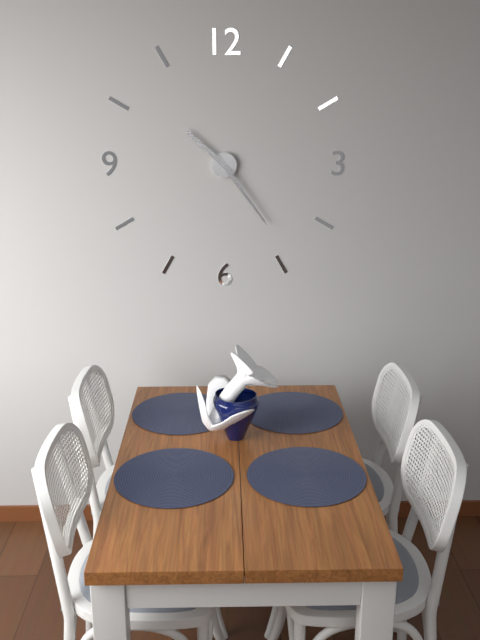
**10:24**
